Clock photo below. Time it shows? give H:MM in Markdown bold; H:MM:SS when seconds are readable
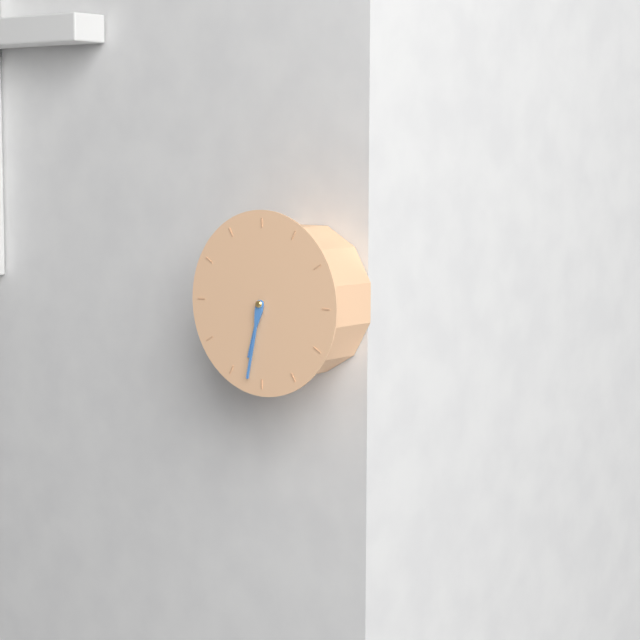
**6:32**
